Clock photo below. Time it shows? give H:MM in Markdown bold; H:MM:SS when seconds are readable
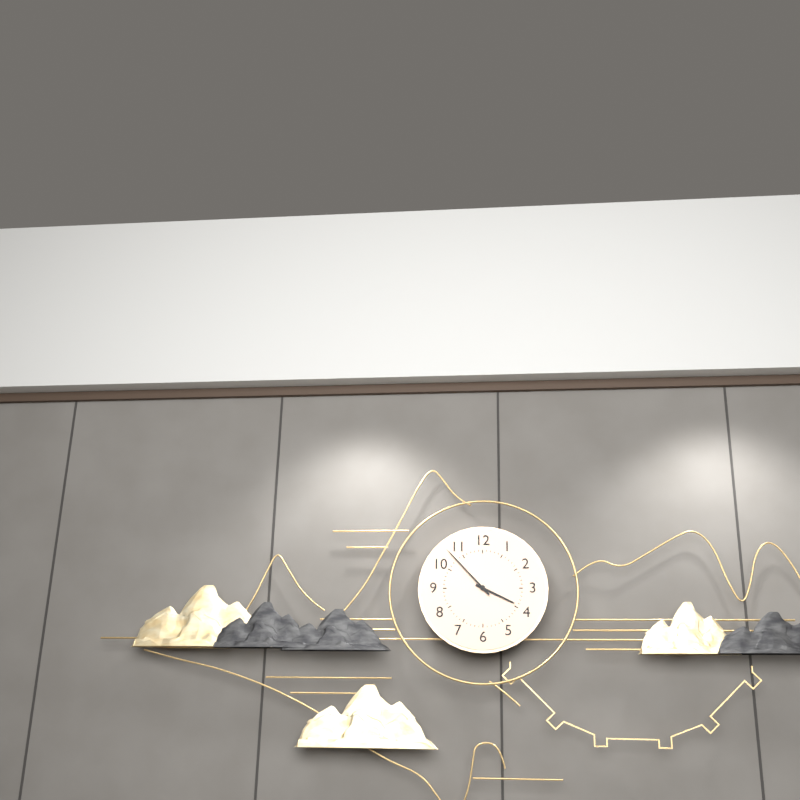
**3:53**
